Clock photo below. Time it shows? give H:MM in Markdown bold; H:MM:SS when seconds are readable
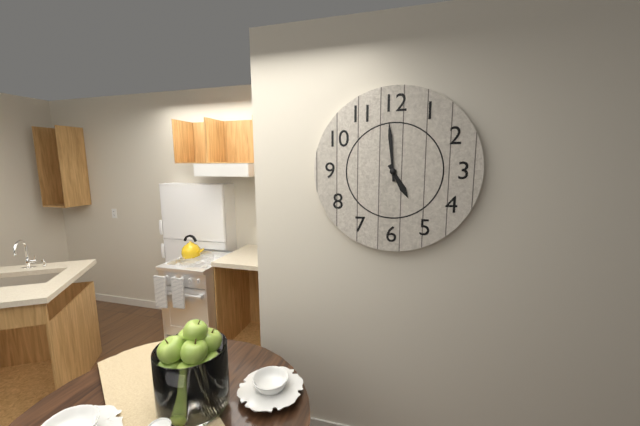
**4:59**
